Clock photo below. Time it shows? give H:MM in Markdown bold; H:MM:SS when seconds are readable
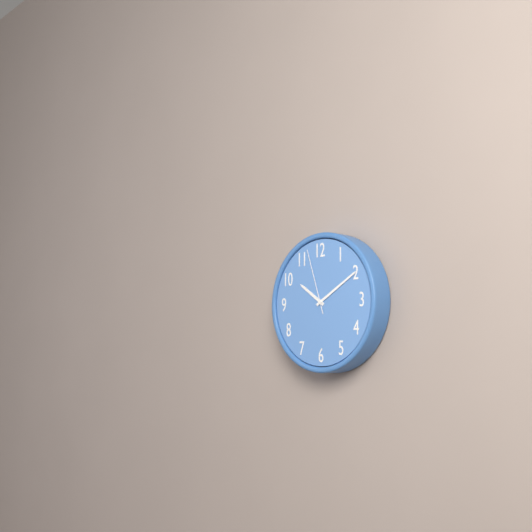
**10:10:57**
